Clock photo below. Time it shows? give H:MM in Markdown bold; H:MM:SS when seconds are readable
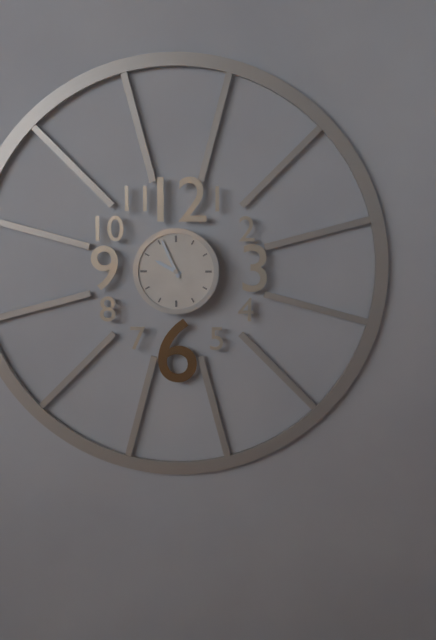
**9:56**
